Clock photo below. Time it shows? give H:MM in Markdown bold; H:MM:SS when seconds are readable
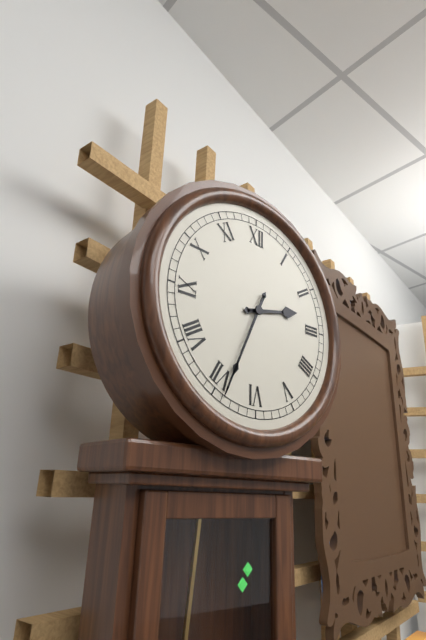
**2:34**
